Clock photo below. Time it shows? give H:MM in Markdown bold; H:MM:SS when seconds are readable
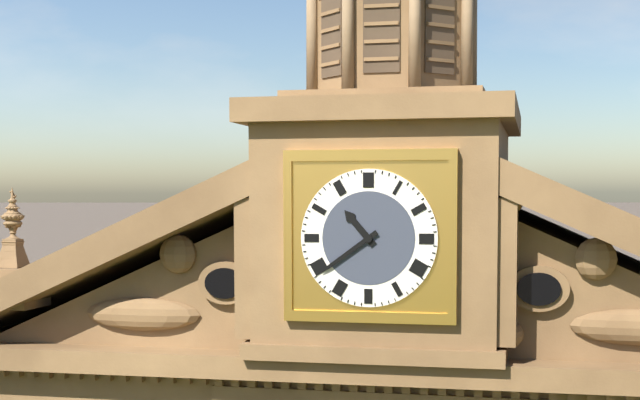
**10:39**
